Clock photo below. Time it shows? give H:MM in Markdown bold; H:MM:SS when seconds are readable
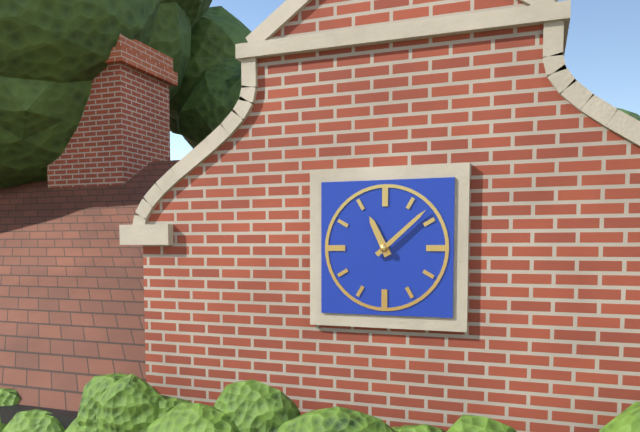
**11:08**
